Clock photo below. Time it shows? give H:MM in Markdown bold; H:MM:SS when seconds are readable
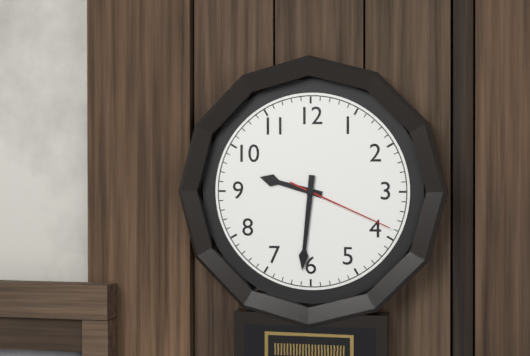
**9:31:19**
